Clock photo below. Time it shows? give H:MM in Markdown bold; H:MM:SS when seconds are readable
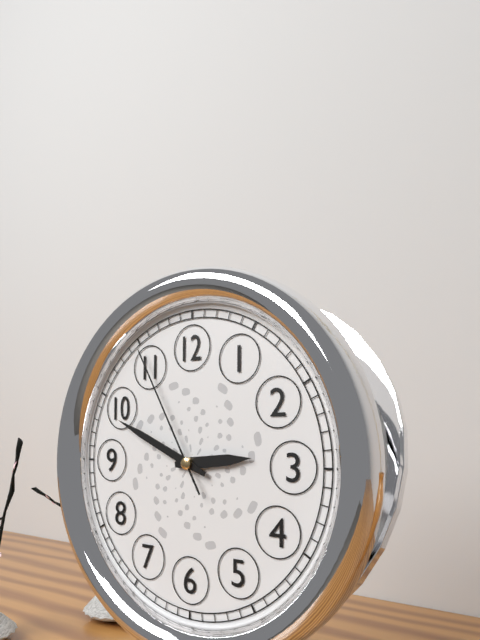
**2:49:55**
